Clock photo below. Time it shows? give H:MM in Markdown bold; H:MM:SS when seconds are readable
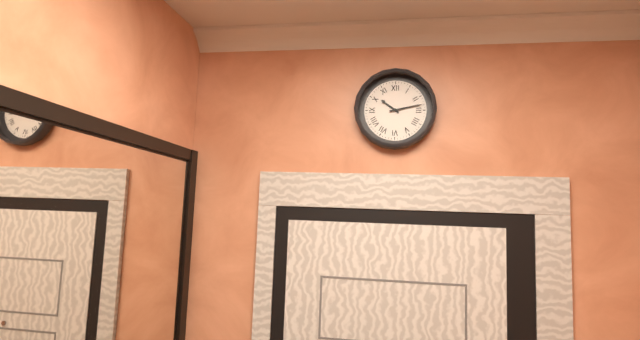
**10:13**
